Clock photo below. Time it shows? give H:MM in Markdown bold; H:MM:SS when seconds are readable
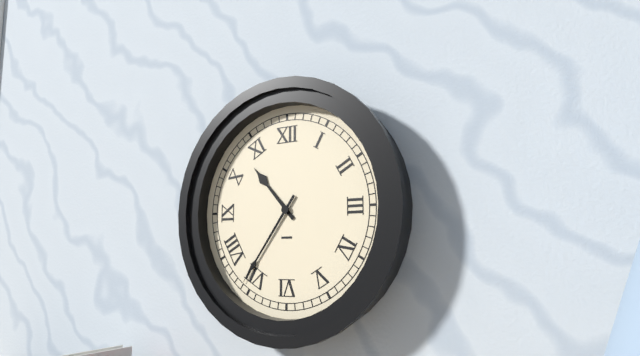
**10:36**
